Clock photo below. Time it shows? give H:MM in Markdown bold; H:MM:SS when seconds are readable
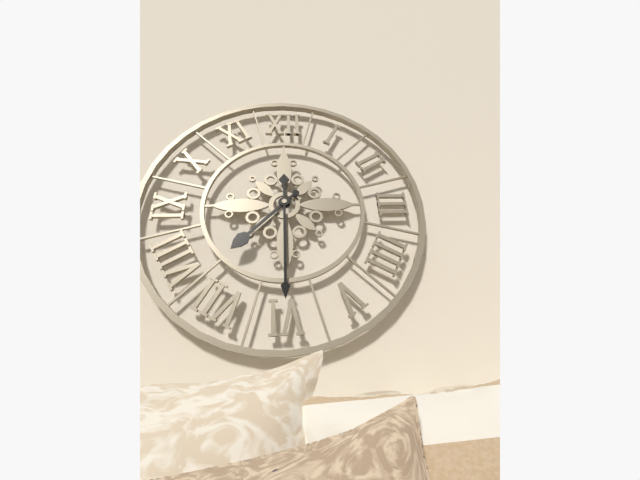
**7:30**
